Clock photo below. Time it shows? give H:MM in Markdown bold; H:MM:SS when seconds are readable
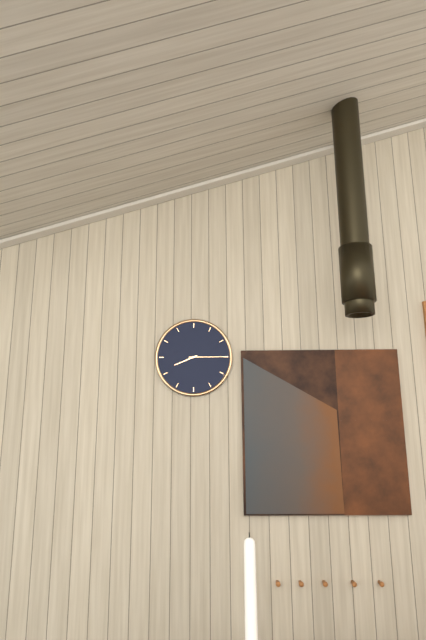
**8:15**
